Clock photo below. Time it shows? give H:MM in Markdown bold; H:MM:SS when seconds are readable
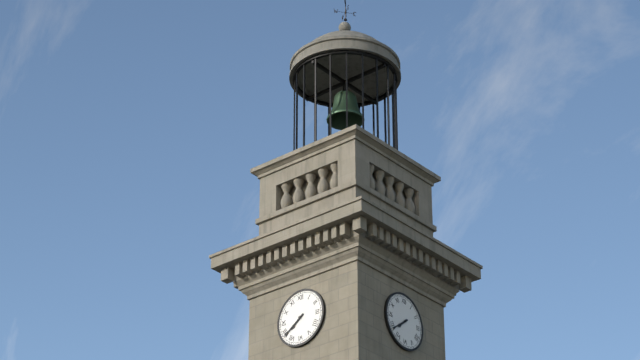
**7:39**
